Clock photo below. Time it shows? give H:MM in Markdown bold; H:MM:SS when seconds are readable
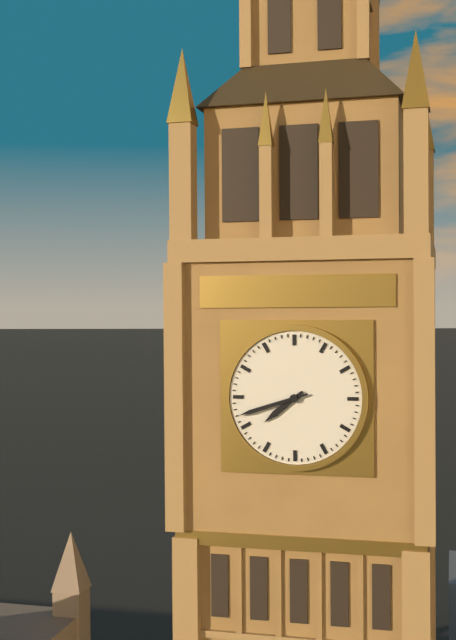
**7:42**
